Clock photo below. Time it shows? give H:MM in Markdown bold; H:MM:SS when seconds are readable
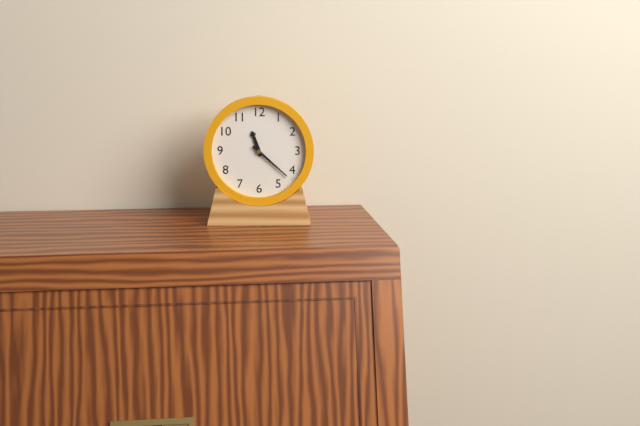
**11:22**
